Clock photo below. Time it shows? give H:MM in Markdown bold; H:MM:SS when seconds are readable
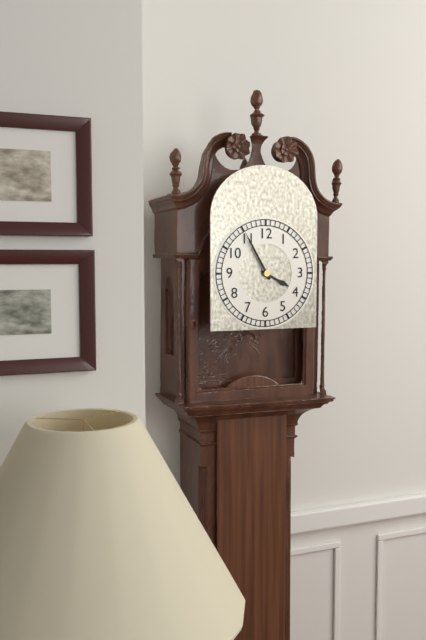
**3:55**
